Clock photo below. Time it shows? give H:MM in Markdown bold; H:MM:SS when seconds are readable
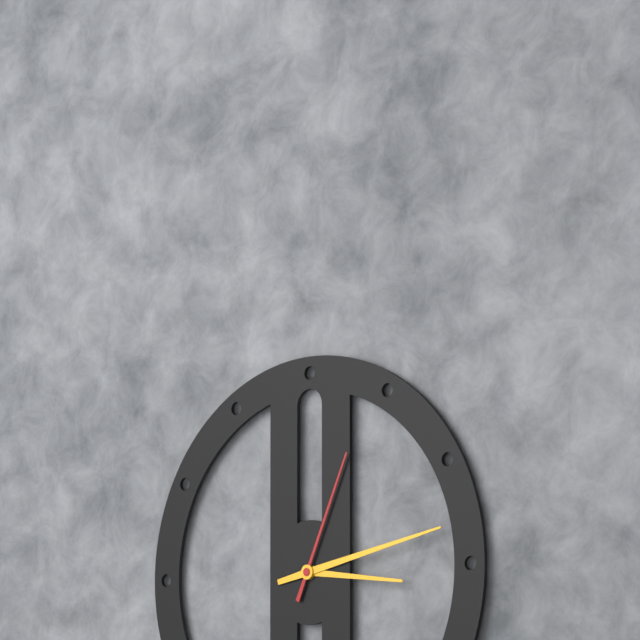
**3:13:04**
